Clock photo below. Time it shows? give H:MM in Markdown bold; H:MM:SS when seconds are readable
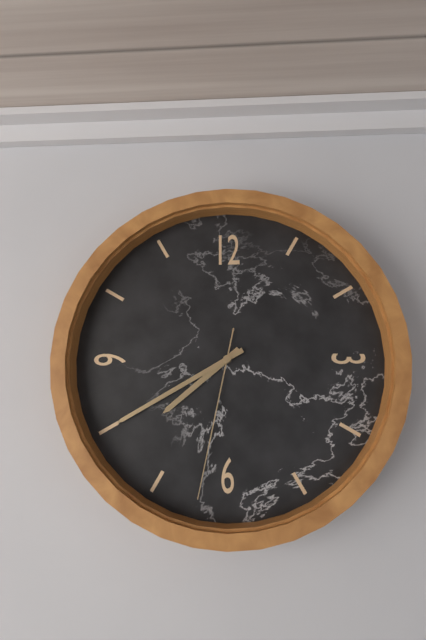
**7:40:32**
